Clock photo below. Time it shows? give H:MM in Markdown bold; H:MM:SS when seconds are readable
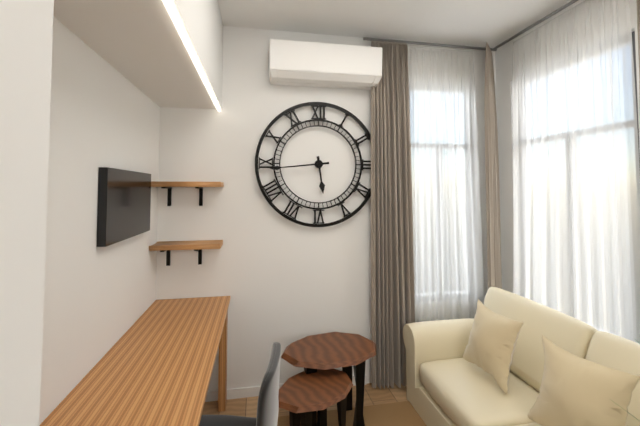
**5:44**
